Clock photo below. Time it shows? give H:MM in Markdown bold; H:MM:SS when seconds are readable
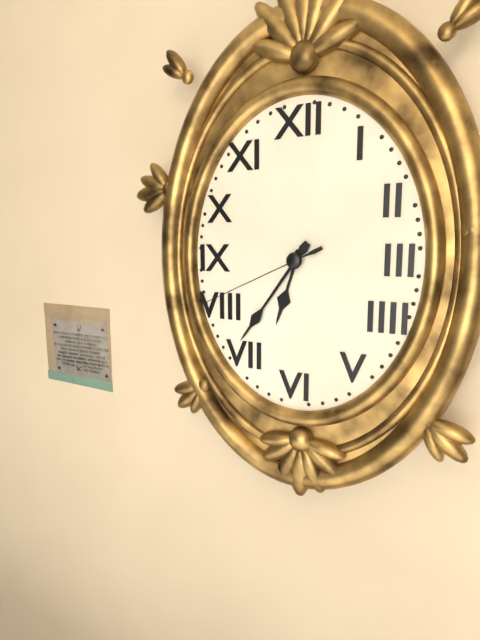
**6:36:41**
